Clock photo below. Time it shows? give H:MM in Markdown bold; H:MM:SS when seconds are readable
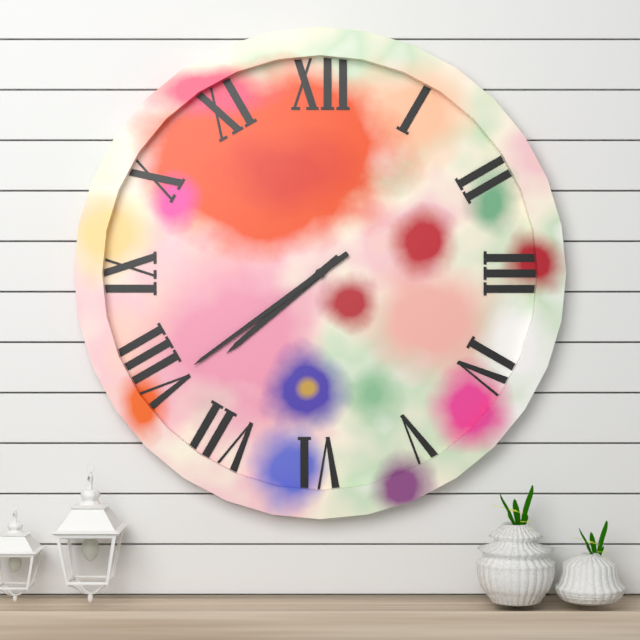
**7:39**
